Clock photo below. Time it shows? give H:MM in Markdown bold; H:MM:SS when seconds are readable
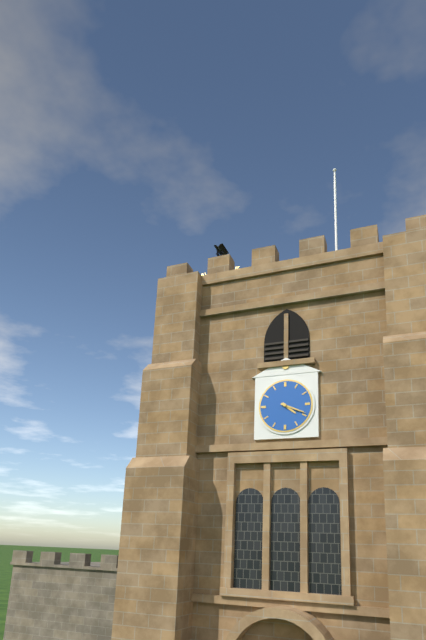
**4:19**
